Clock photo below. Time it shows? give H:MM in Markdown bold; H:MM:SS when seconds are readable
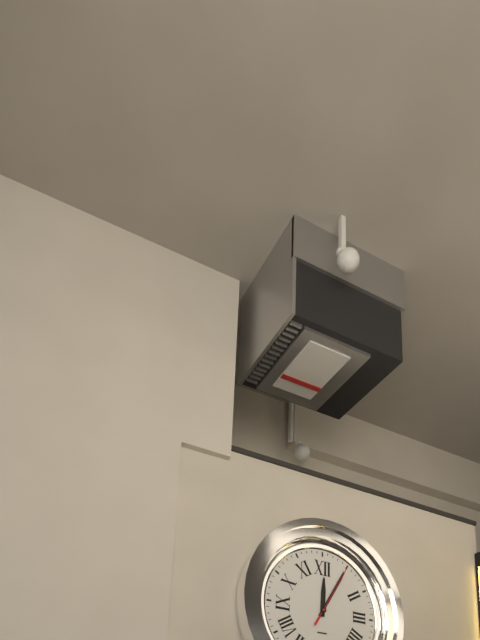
**12:05:05**
